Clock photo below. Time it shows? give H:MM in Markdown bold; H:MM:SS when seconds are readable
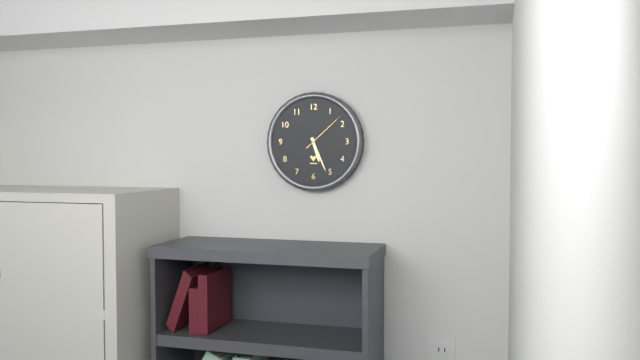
**5:26**
